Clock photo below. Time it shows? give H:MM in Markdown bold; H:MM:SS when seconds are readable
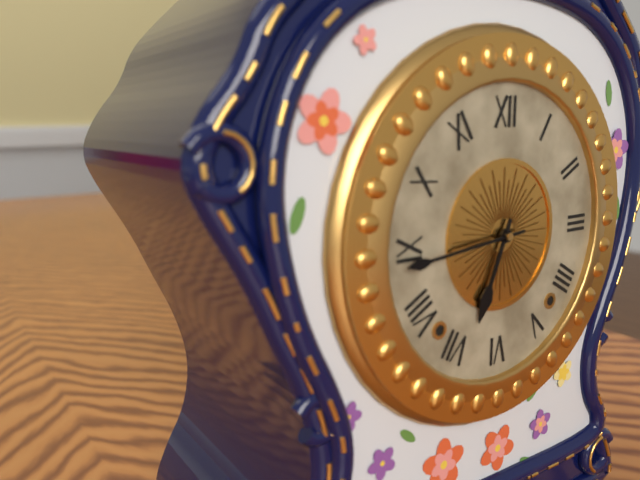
**6:44**
